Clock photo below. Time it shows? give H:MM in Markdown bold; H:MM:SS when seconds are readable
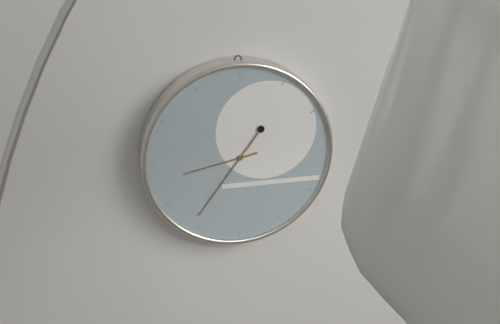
**8:36**
